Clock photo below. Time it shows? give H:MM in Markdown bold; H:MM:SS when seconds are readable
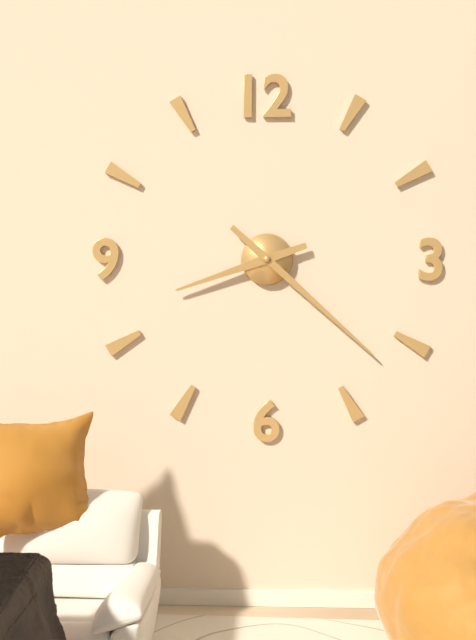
**8:22**
